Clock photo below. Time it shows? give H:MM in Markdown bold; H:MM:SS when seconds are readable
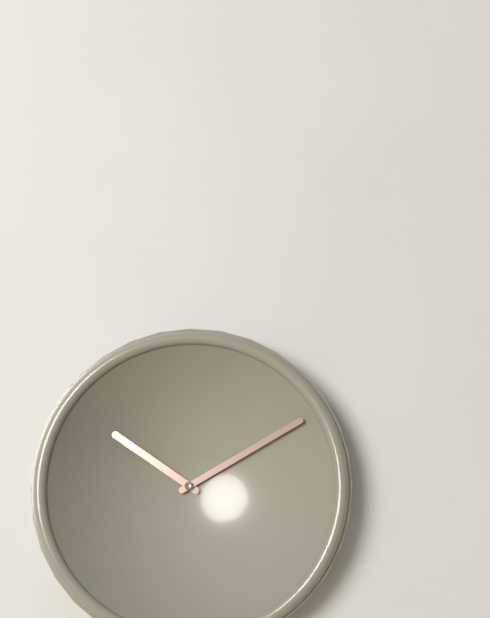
**10:10**
